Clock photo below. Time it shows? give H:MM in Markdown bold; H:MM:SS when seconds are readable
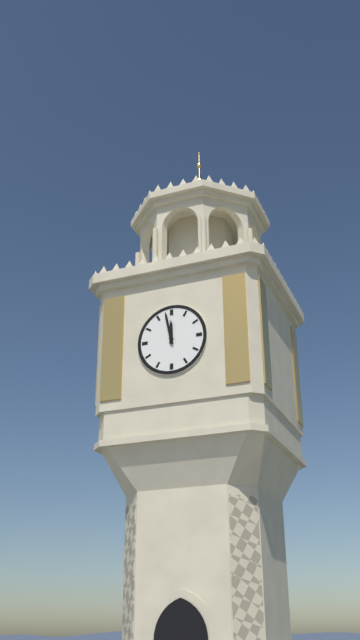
**11:58**
